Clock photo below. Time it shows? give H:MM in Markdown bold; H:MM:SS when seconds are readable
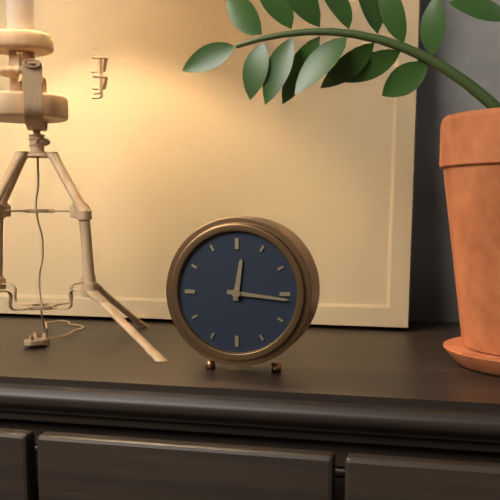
**12:16**
